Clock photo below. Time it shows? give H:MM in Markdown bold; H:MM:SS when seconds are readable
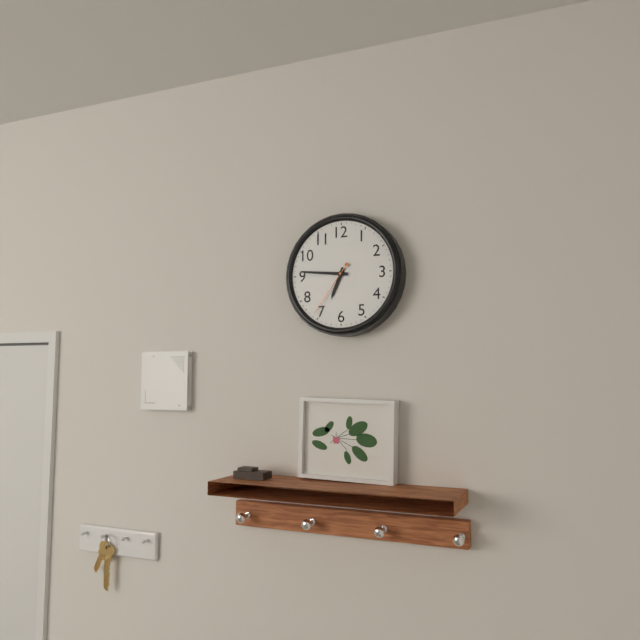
**6:46:36**
